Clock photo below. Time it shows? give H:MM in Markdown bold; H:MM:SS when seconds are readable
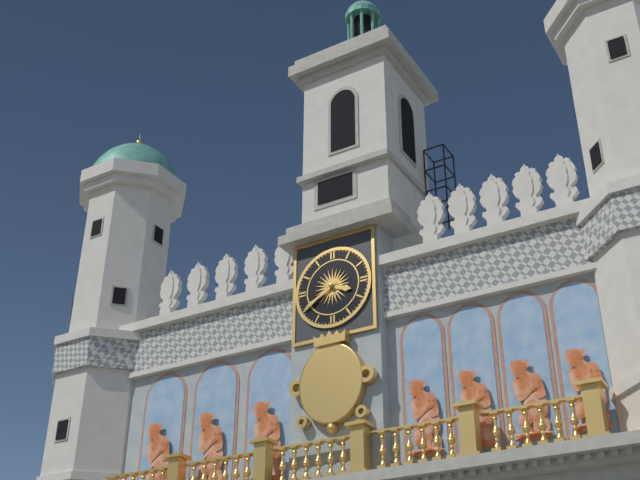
**3:40**
